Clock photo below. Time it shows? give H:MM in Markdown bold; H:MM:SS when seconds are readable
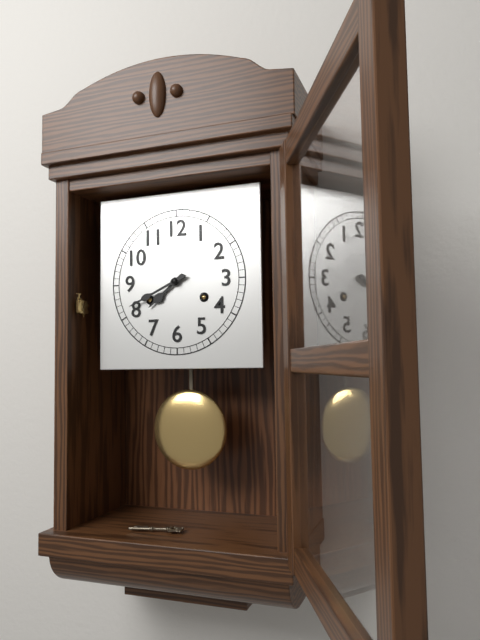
**7:41**
